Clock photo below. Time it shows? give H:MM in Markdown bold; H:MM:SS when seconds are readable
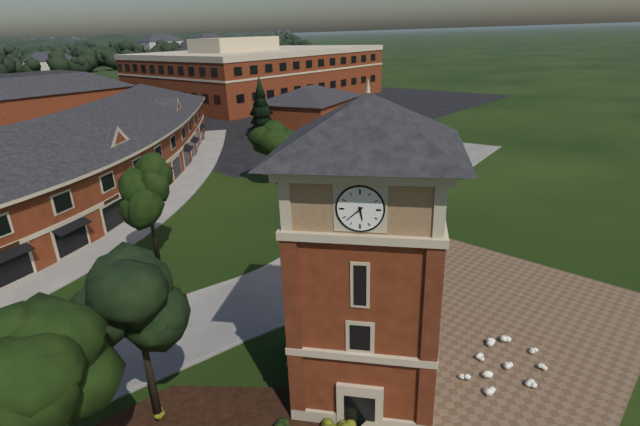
**5:38**
